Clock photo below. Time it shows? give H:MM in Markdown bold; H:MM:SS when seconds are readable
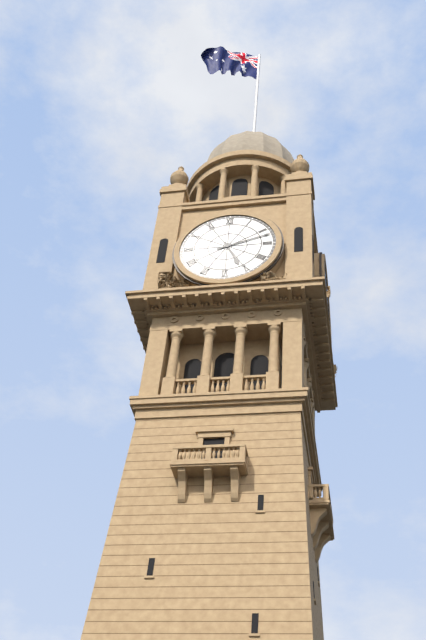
**5:12**
